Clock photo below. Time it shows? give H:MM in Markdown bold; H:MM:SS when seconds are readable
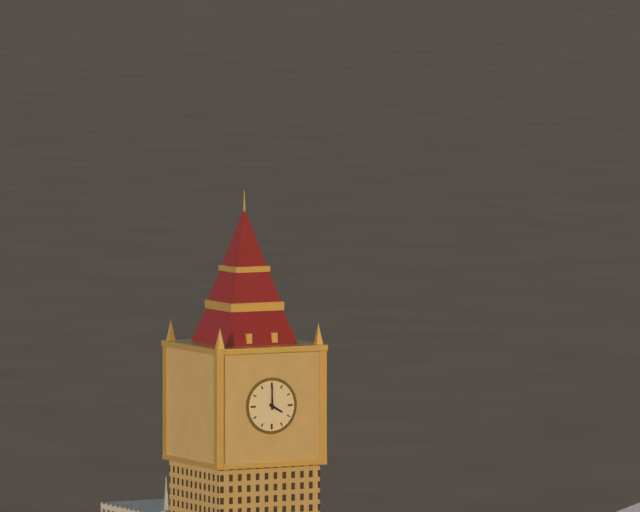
**4:00**
